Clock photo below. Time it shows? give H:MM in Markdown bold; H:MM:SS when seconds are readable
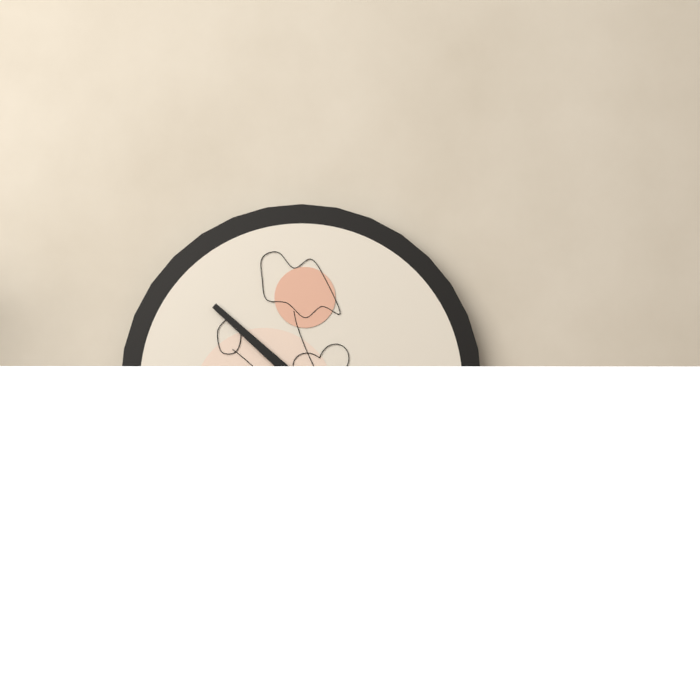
**7:52**
